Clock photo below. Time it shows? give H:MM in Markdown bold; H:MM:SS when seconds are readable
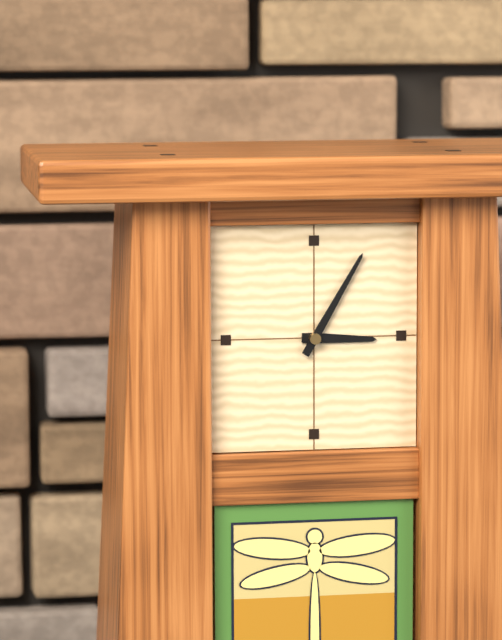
**3:05**
